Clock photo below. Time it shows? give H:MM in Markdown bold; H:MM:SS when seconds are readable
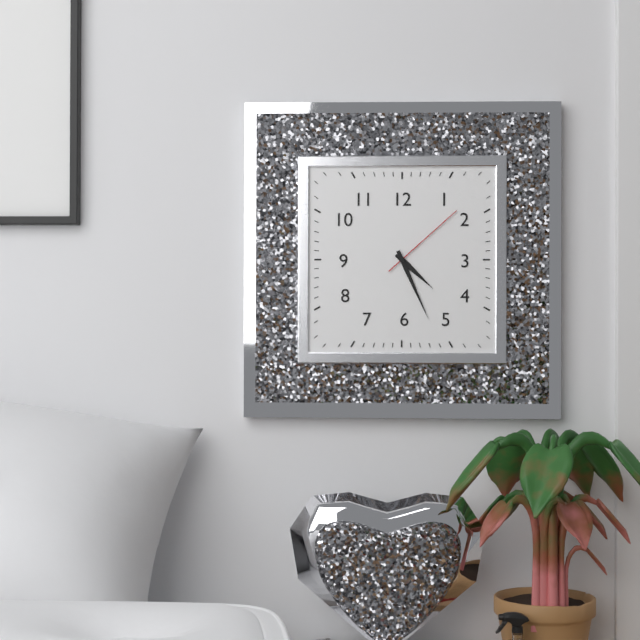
**4:26:08**
